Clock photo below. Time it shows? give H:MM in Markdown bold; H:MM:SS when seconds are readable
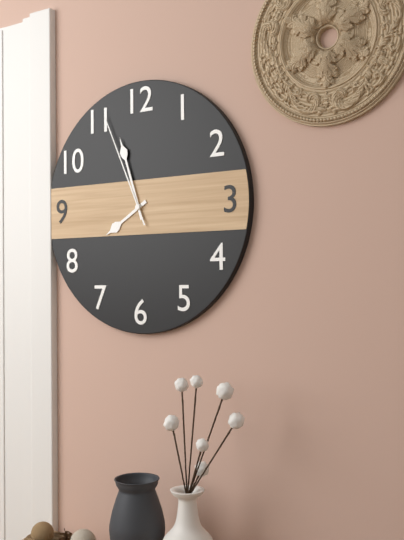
**7:57:56**
